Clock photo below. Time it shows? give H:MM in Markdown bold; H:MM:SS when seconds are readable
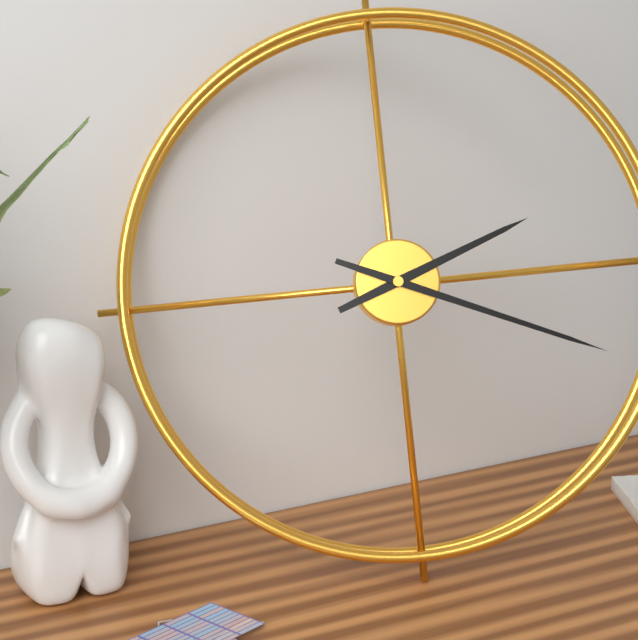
**2:19**
